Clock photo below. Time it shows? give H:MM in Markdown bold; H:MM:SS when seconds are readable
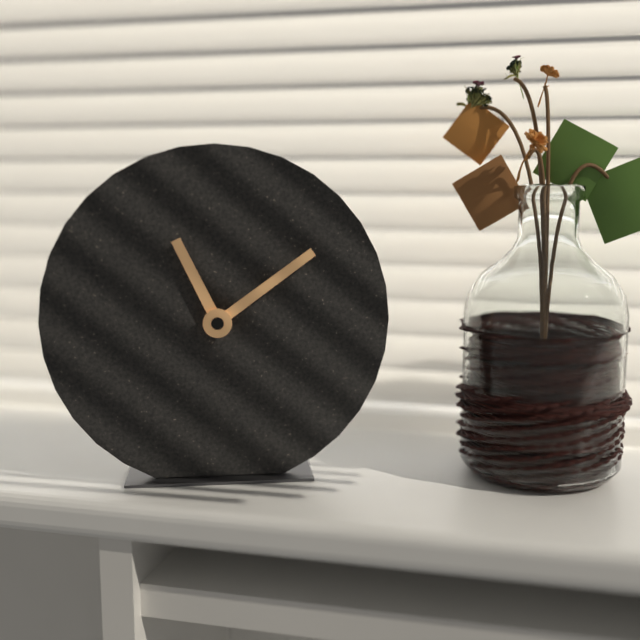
**11:09**
